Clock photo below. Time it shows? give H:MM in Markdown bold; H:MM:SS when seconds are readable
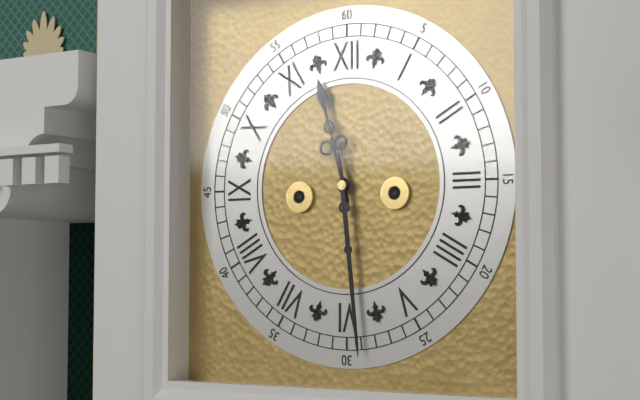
**11:29**
